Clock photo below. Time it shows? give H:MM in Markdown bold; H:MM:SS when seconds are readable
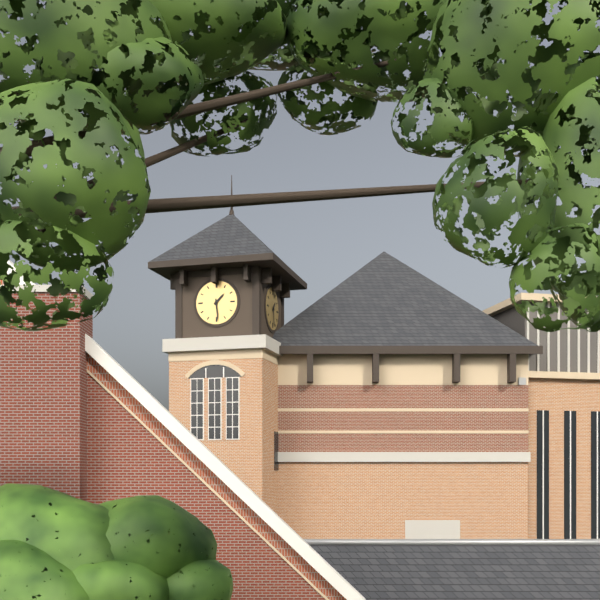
**1:29**
